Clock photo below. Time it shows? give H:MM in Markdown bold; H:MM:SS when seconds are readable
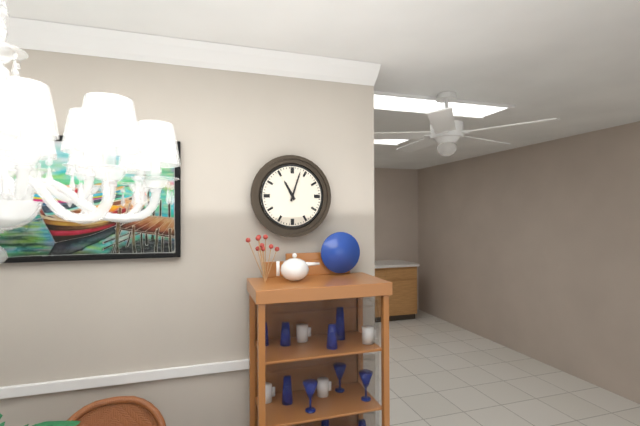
**11:03**
